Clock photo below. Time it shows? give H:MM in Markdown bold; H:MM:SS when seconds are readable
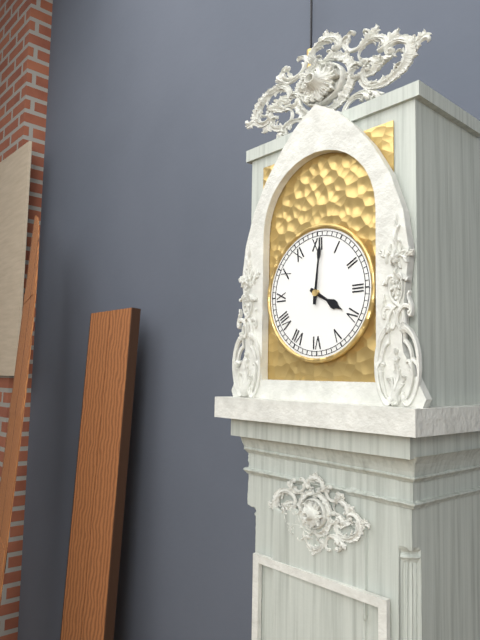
**4:01**
